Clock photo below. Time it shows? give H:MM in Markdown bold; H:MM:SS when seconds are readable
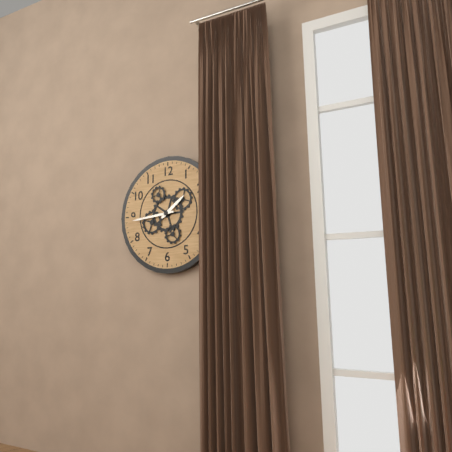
**1:44**
